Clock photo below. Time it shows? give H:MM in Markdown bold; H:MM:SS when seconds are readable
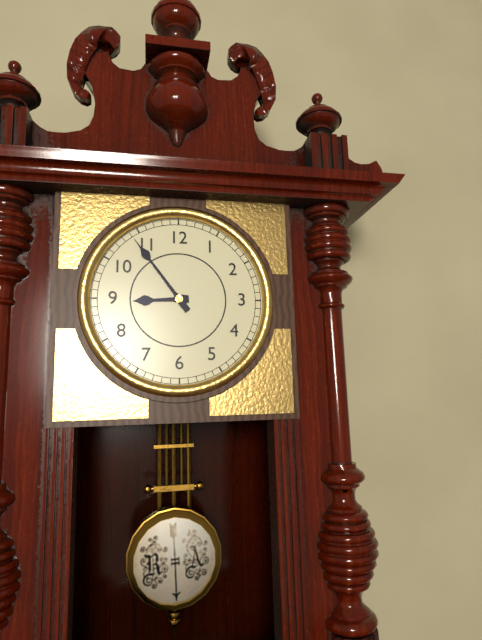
**8:54**
